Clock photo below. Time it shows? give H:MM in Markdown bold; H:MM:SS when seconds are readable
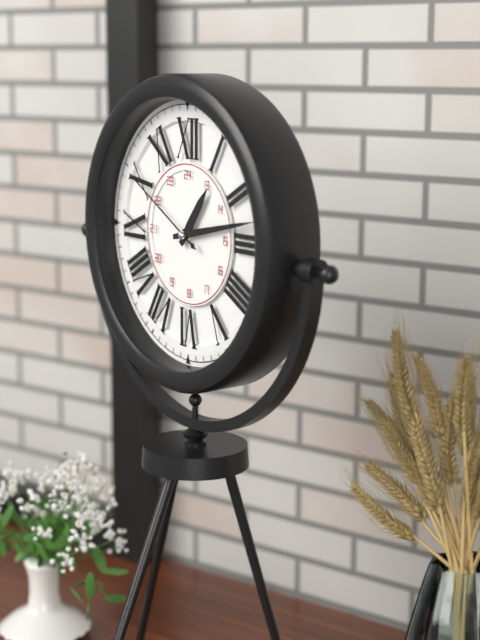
**1:13:50**
